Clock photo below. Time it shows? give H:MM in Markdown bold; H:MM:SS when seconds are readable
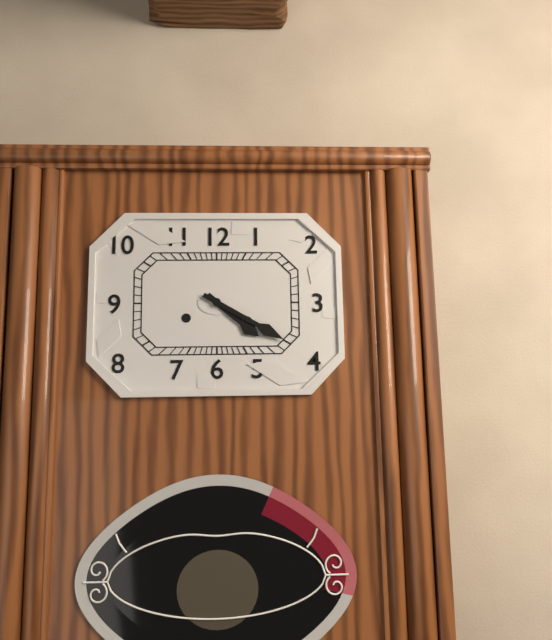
**4:20**
